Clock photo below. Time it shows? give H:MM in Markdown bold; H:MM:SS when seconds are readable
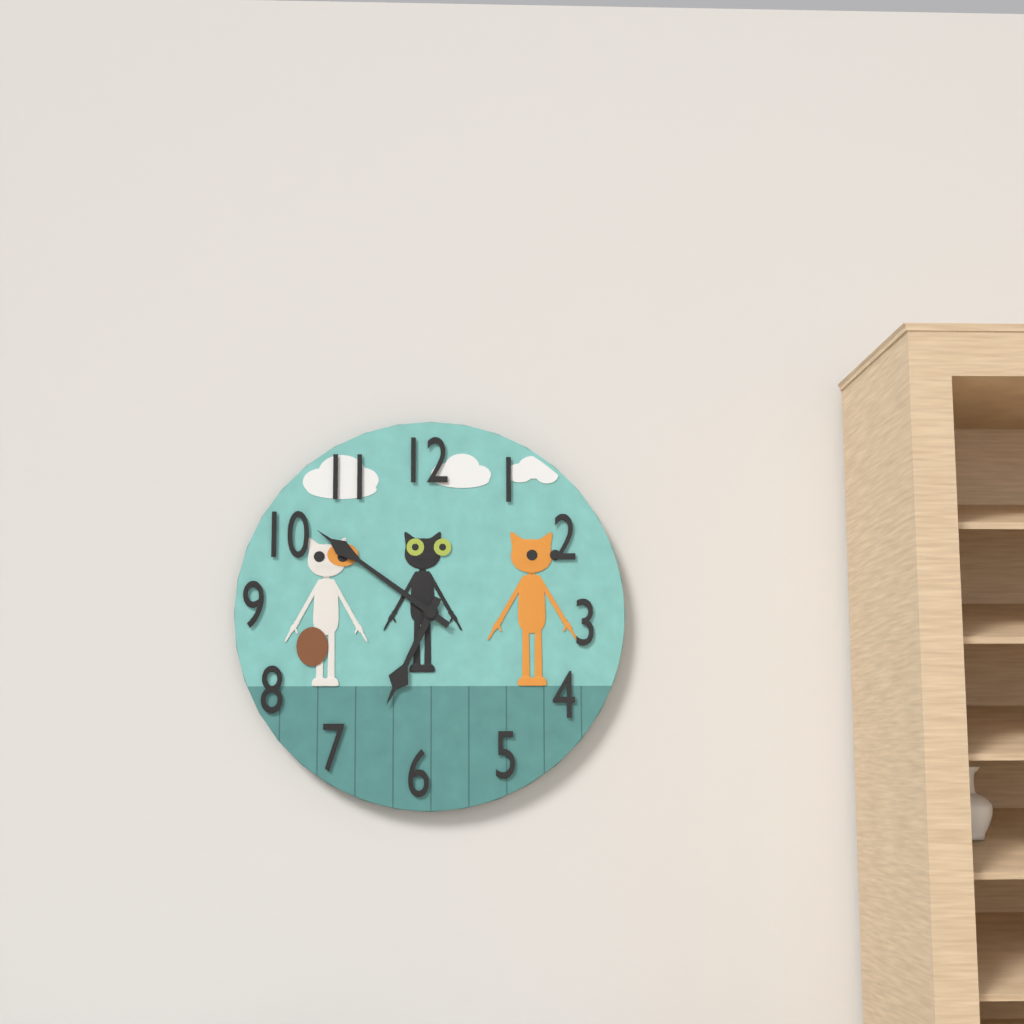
**6:51**
